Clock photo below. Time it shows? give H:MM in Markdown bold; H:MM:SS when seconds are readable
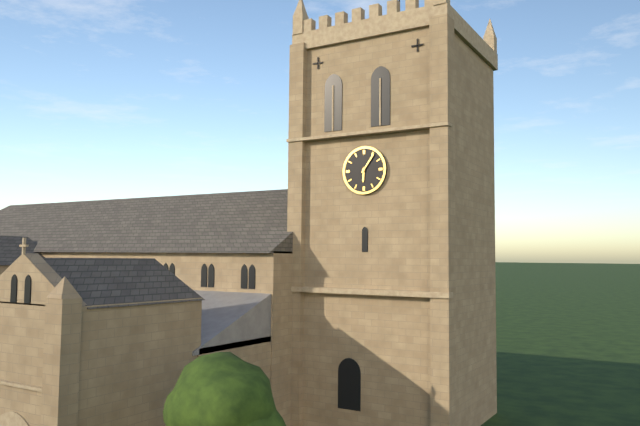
**6:06**
